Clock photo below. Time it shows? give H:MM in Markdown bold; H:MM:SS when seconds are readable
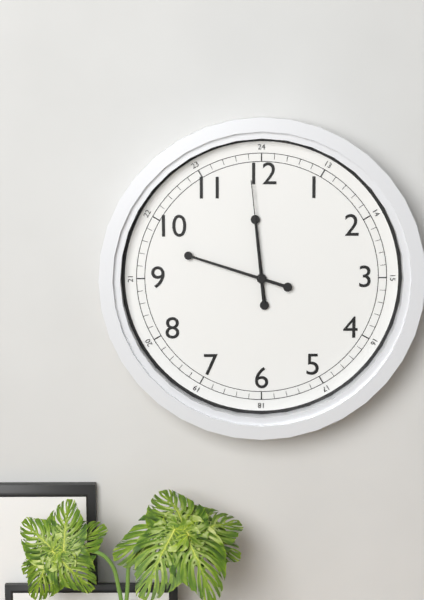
**11:48:59**
